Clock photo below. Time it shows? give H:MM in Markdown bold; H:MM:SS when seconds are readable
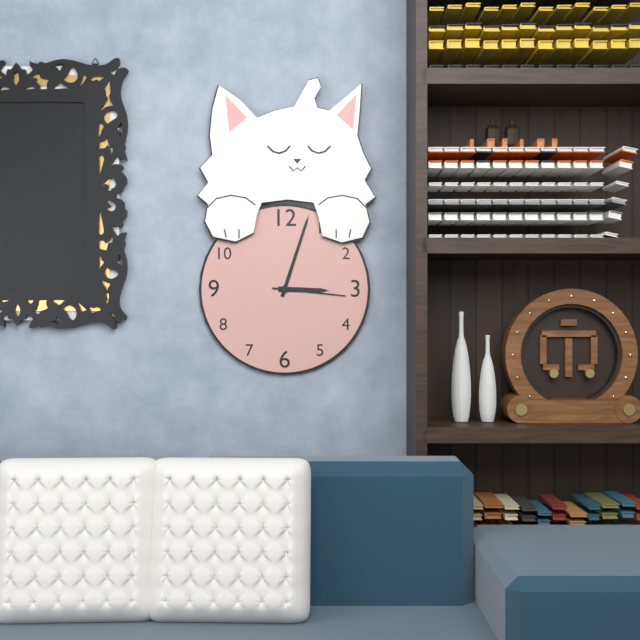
**3:03:16**
